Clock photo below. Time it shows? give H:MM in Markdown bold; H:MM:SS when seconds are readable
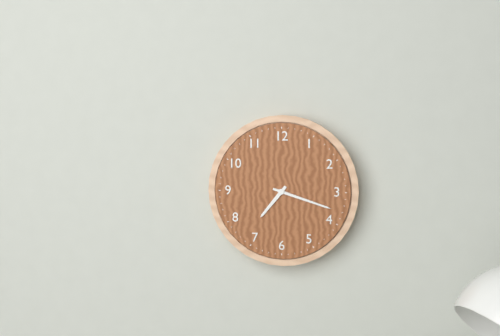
**7:18**
